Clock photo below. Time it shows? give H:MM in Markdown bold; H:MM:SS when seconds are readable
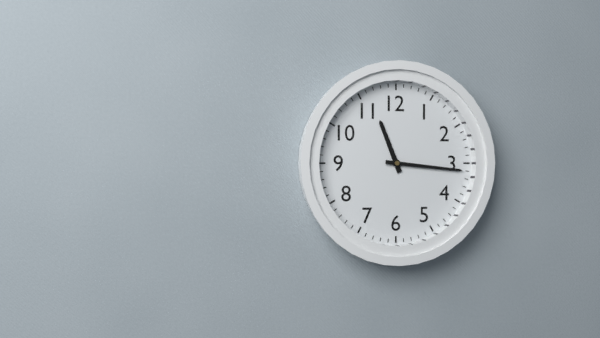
**11:16**
